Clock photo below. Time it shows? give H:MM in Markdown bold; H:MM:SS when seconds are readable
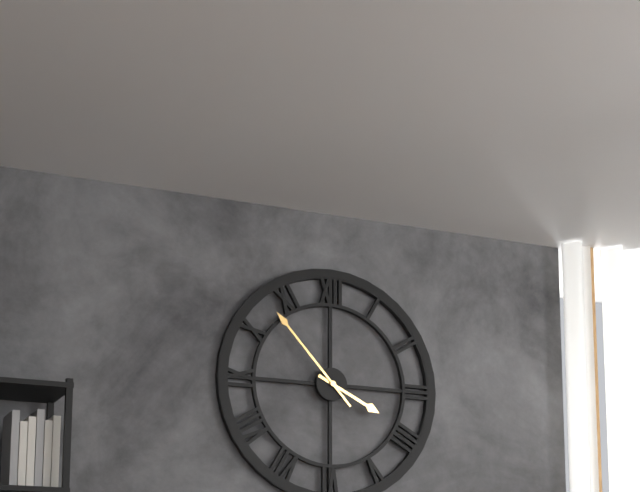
**3:53**
